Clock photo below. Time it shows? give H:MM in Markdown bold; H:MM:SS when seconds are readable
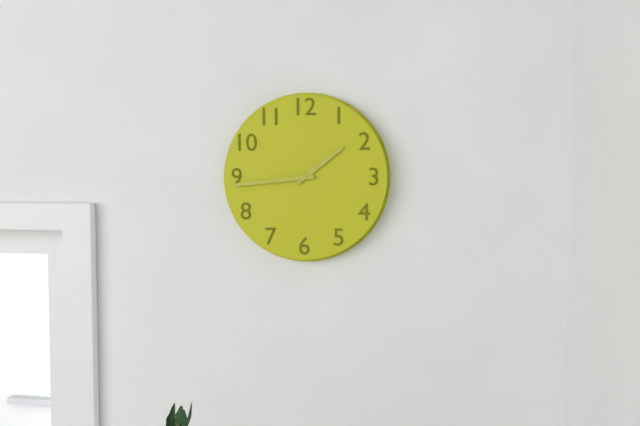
**1:44**
